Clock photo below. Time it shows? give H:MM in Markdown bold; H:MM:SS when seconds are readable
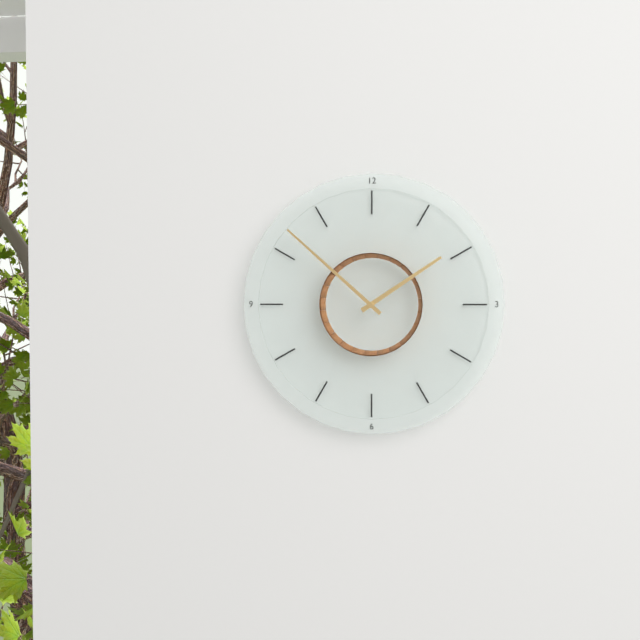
**1:52**
